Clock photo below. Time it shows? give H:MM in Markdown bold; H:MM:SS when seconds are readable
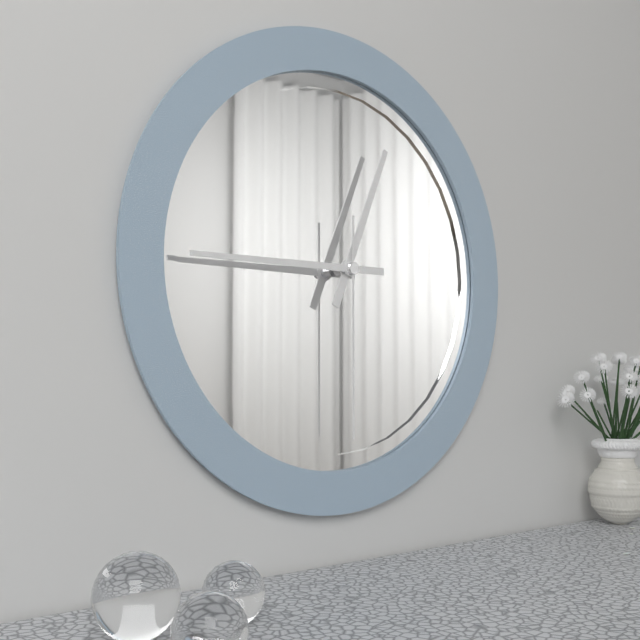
**12:45:30**
